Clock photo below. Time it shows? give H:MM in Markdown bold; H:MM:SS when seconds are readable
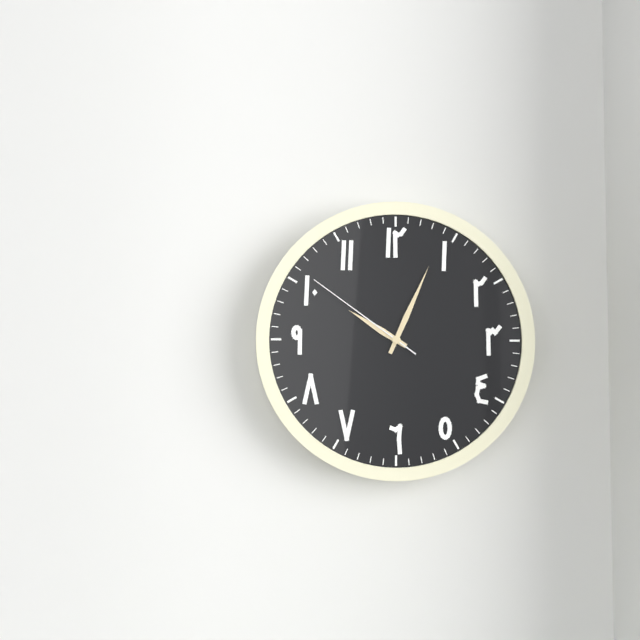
**10:04:51**
